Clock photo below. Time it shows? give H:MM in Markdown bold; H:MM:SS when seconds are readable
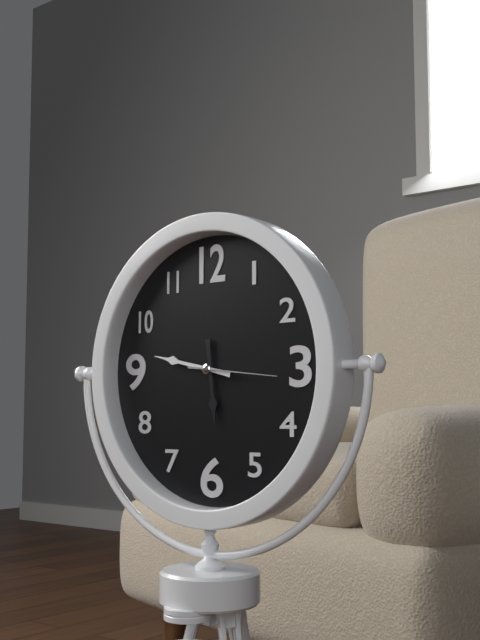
**5:47:16**
